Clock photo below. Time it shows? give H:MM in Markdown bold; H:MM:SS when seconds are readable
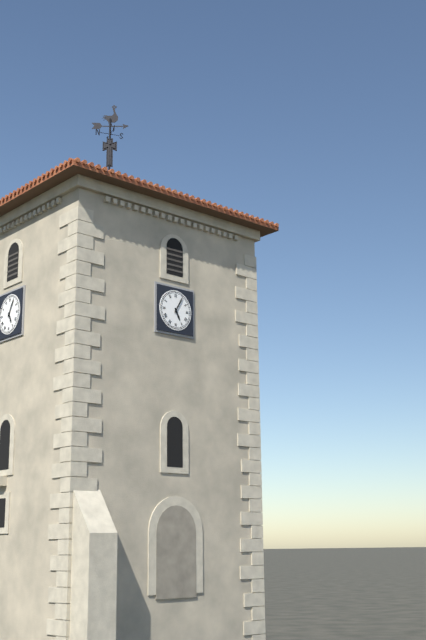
**5:05**
